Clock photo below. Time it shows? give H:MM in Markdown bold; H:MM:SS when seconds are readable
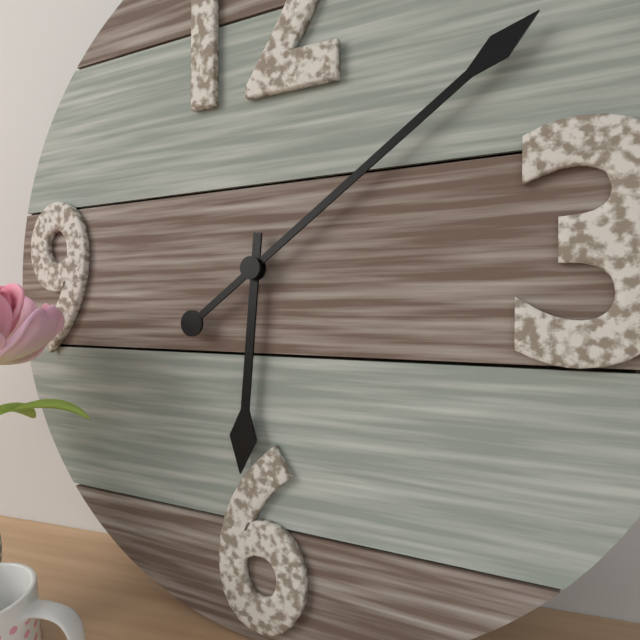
**6:09**
